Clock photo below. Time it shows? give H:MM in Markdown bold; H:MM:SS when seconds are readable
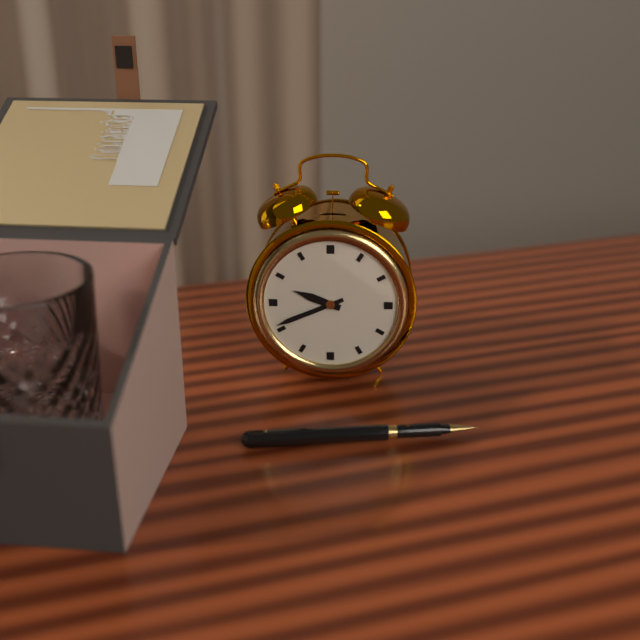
**9:41**
